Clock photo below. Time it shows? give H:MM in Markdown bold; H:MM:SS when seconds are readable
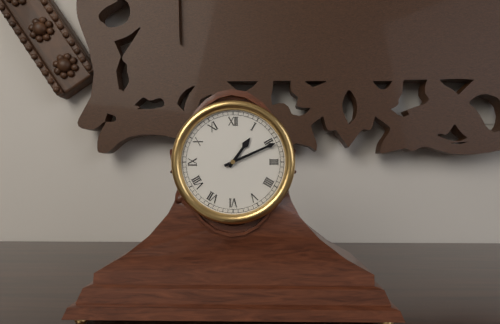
**1:11**
